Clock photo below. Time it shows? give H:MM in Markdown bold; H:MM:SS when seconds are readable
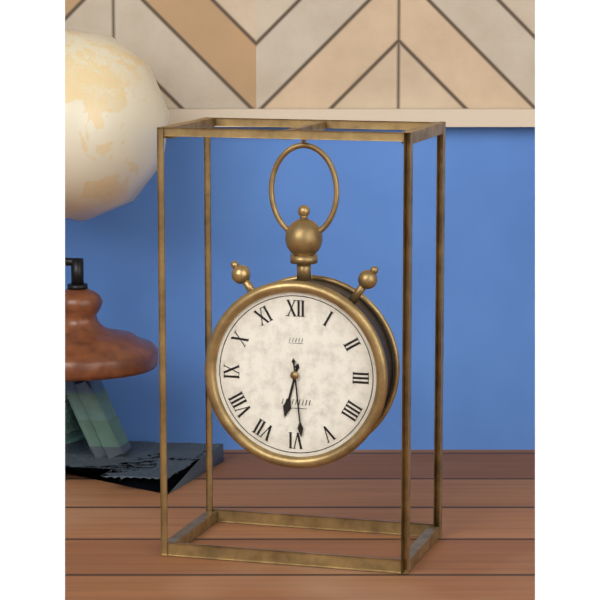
**6:29**
